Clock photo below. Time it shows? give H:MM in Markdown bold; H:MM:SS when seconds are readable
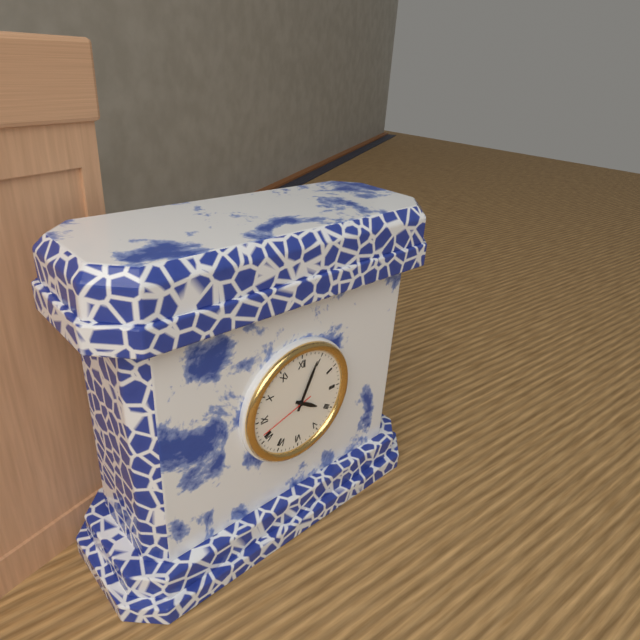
**4:04:42**
